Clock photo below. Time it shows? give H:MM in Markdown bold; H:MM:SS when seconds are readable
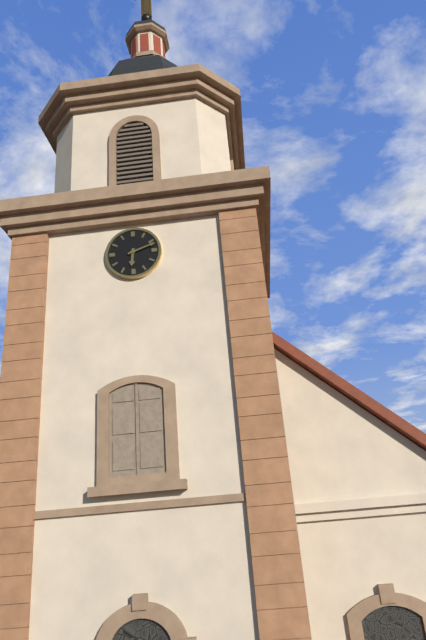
**6:12**
